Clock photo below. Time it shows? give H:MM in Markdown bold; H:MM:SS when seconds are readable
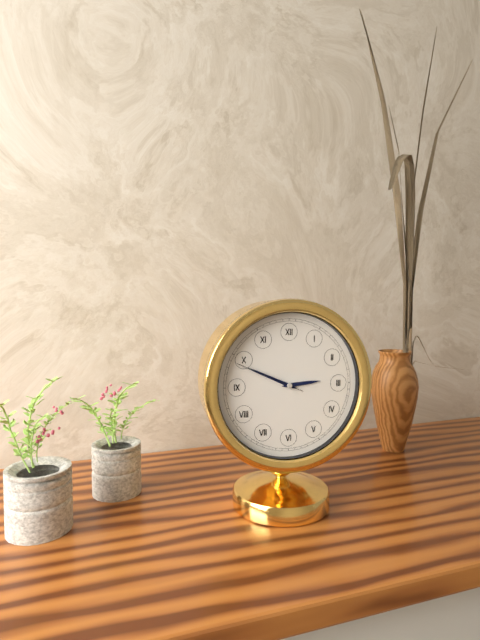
**2:49:49**
